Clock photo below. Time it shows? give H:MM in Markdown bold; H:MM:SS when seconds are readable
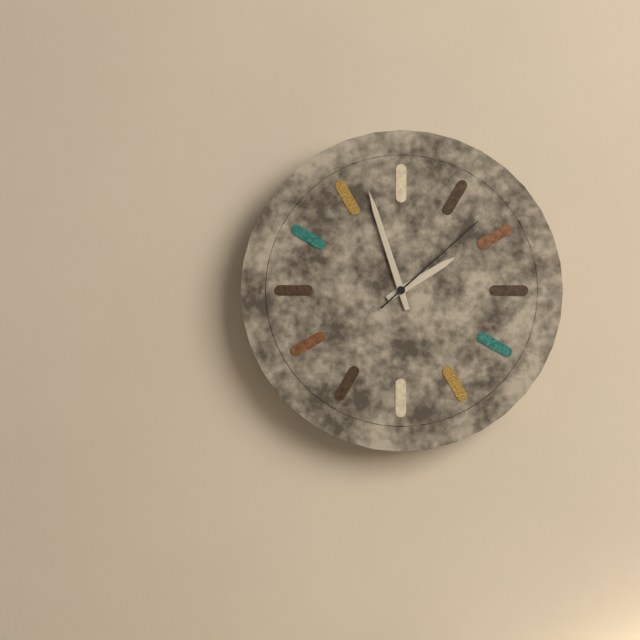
**1:57:08**
